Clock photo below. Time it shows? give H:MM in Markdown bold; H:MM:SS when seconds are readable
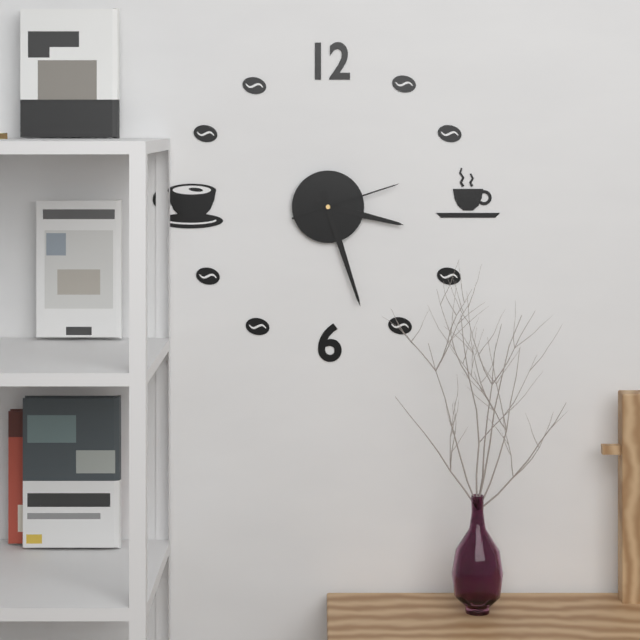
**3:27:12**
